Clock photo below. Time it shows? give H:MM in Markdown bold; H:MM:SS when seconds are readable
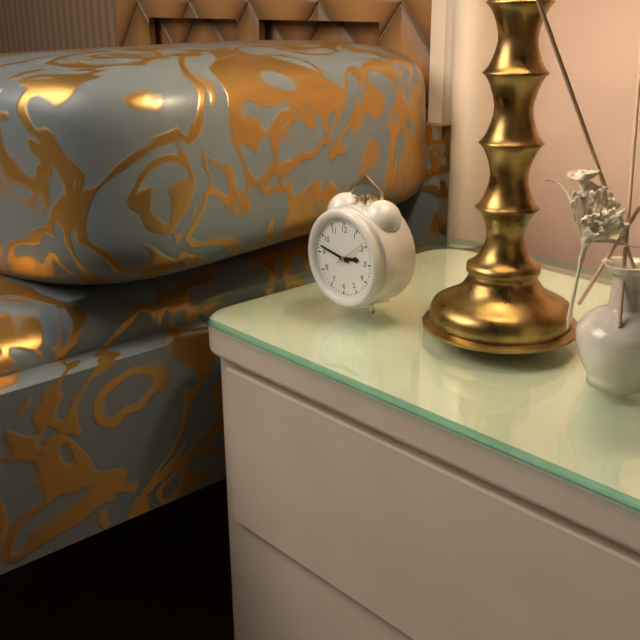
**2:47**
